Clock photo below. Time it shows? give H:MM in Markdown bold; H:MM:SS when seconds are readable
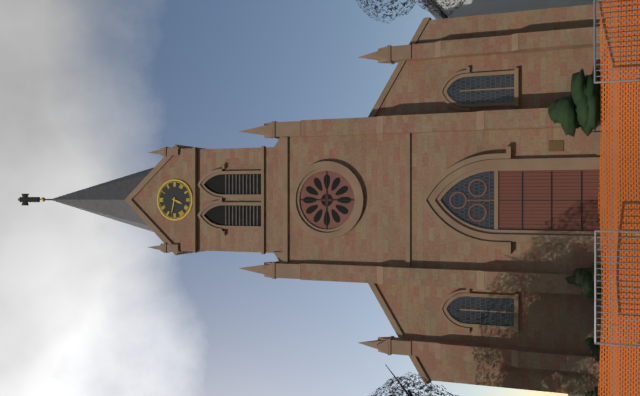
**6:47**
